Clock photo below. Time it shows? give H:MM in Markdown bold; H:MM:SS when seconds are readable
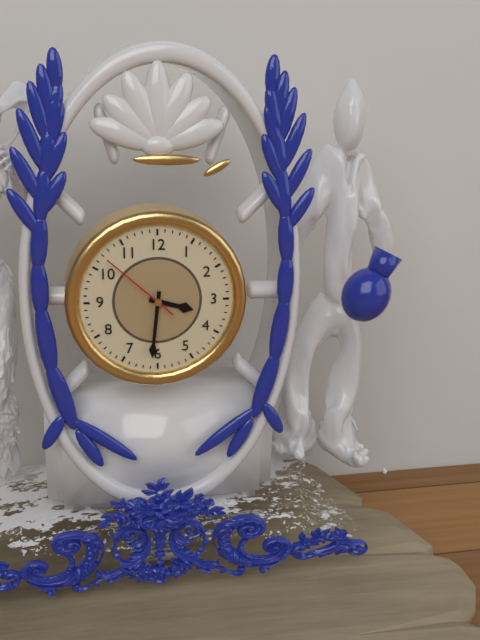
**3:31:52**
